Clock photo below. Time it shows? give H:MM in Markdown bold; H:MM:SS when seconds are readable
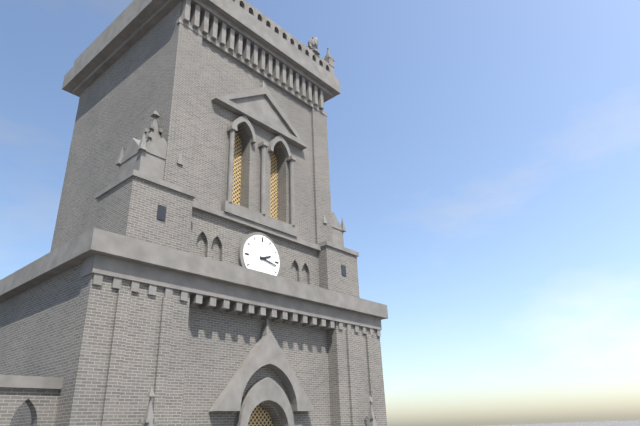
**2:17**
